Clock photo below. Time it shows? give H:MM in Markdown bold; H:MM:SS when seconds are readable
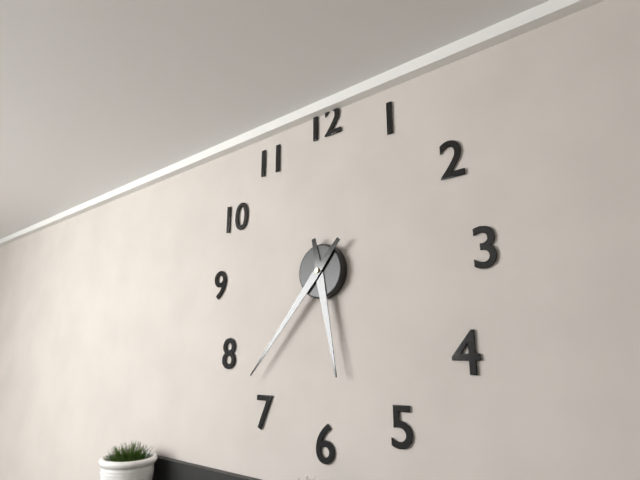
**5:37**
